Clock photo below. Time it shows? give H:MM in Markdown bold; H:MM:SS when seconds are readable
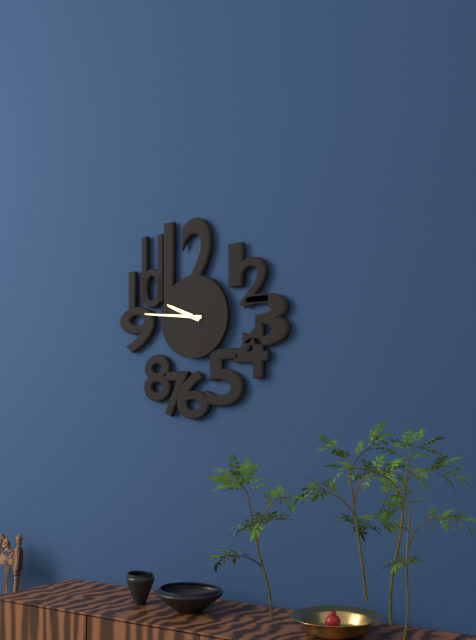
**9:46**
